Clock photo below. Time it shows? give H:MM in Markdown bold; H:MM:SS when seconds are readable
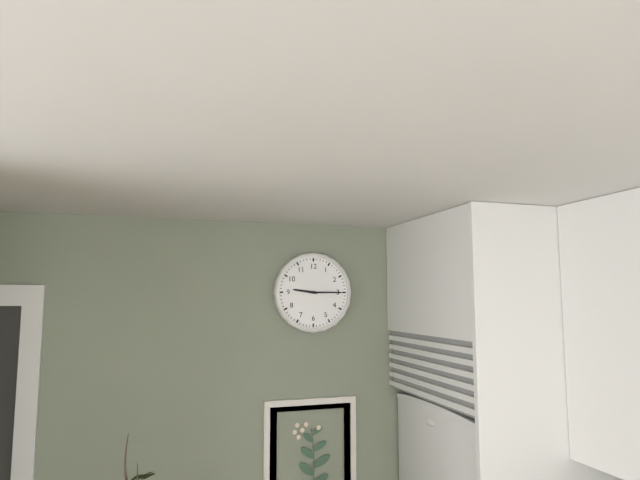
**9:15**
